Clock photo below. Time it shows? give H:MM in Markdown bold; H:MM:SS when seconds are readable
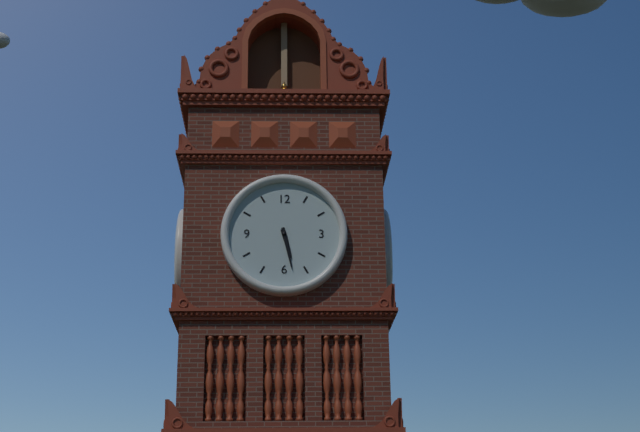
**5:28**
